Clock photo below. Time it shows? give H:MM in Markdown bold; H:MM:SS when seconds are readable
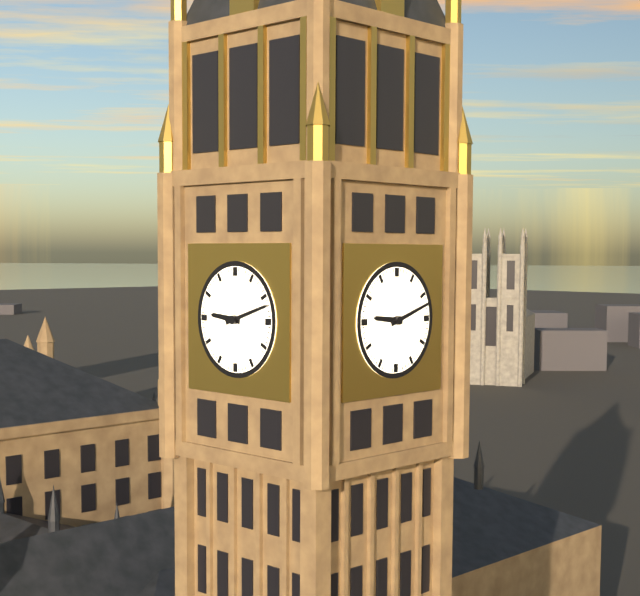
**9:12**
